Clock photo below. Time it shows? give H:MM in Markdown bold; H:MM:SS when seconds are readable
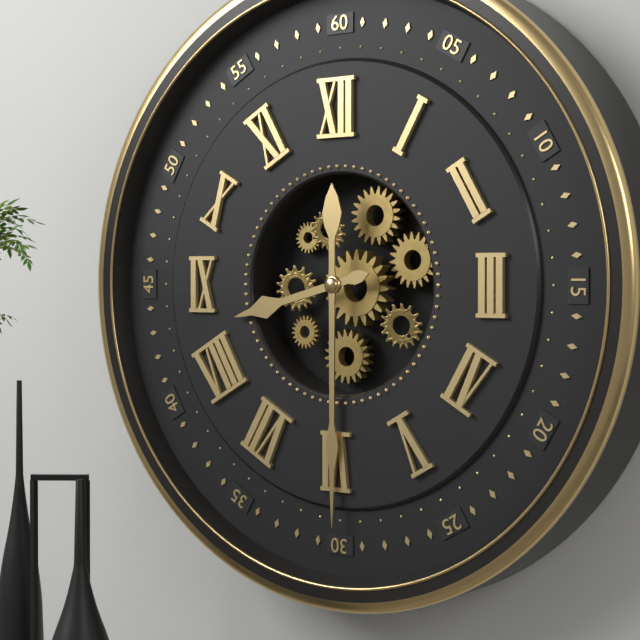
**8:30**
